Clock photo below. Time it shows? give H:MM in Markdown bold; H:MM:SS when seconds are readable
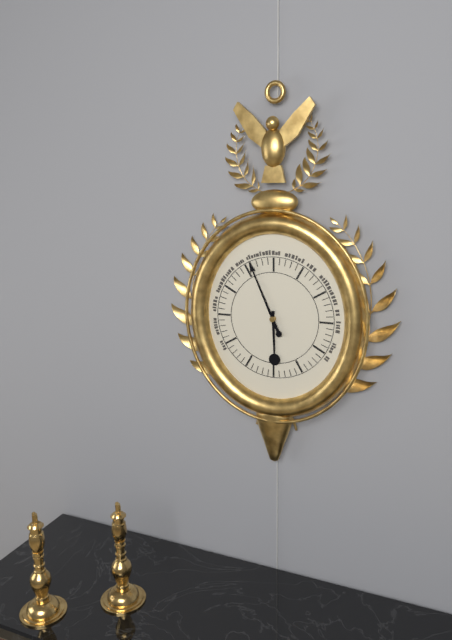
**5:56**
